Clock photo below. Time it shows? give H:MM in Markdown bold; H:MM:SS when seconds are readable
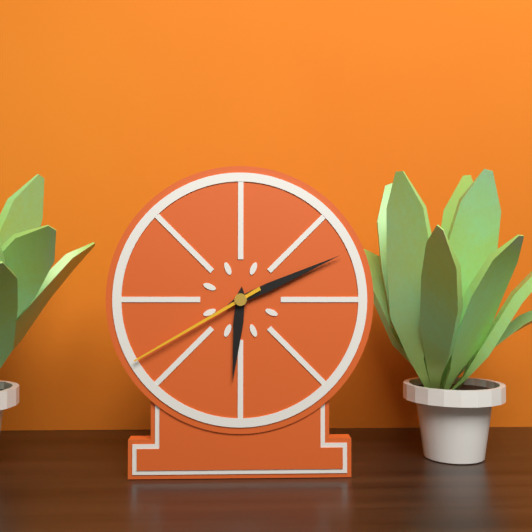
**6:11:40**
